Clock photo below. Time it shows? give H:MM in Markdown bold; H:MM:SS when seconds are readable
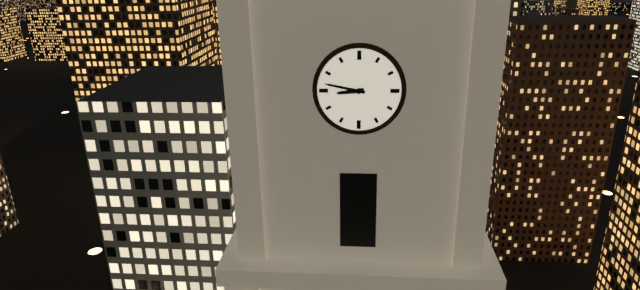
**8:47**
